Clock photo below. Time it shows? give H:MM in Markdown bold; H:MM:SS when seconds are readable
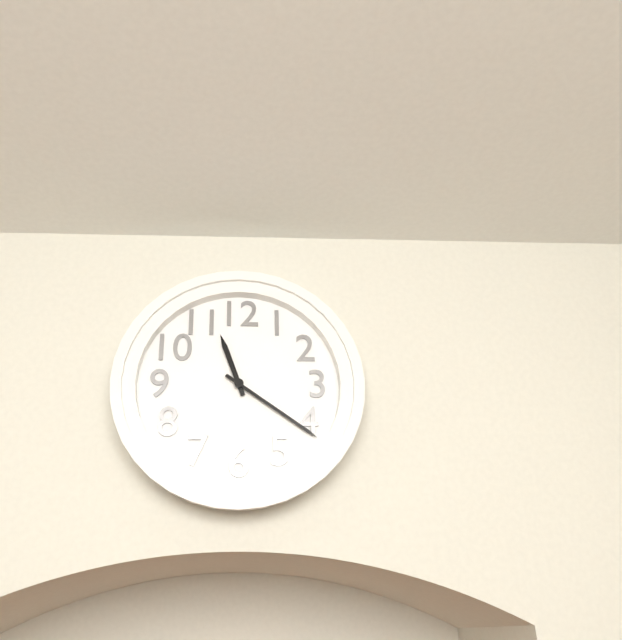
**11:21**
